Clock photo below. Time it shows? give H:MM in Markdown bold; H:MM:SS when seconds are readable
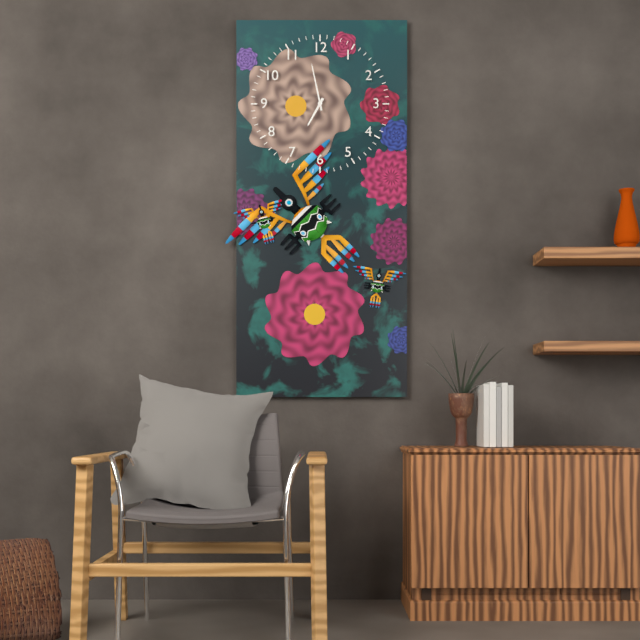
**6:58**
